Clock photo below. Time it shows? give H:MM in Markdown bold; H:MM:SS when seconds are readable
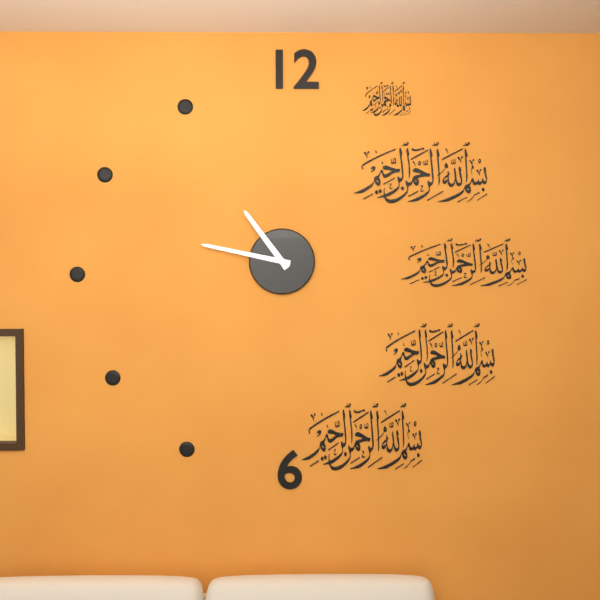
**10:47**
